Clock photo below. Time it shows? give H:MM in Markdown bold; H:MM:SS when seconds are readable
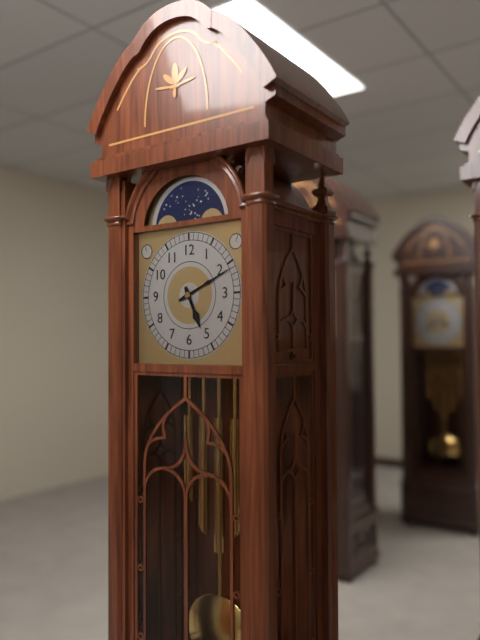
**5:11**
